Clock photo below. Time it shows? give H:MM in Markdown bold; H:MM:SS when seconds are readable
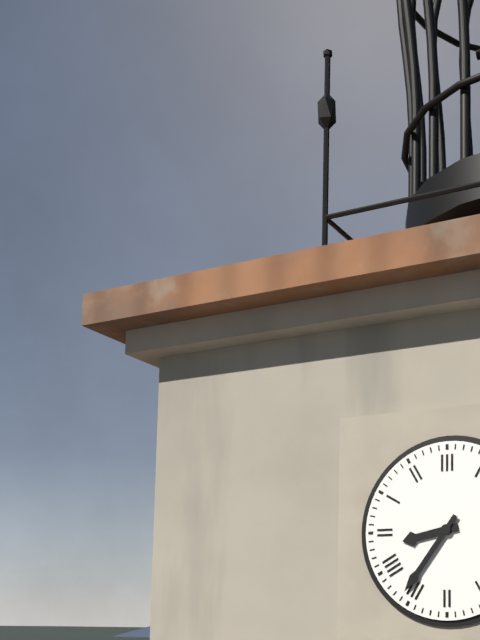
**8:36**
